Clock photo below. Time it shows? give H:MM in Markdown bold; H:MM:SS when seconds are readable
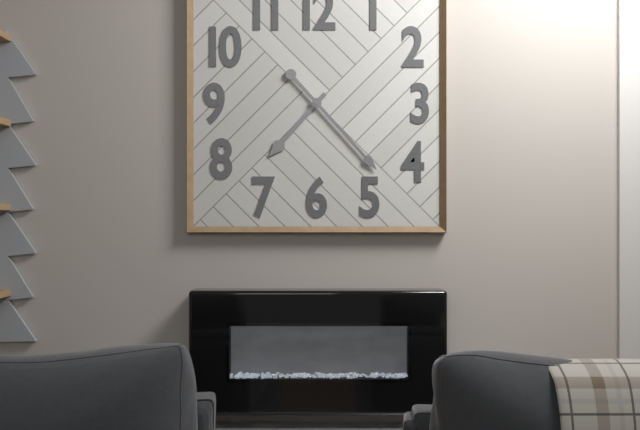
**7:23**
